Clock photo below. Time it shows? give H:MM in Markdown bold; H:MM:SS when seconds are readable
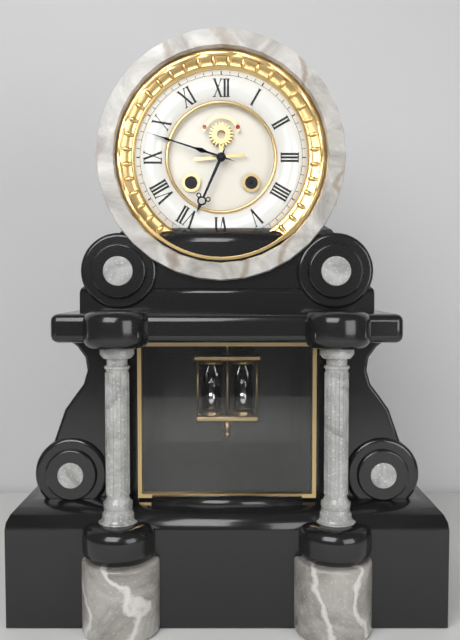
**6:48**
